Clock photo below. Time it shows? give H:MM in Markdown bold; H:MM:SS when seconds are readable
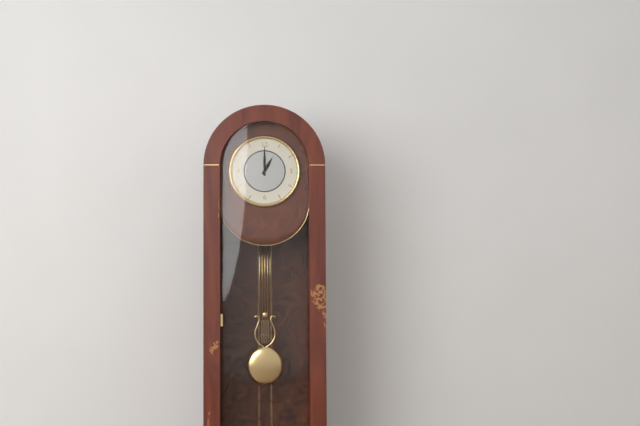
**1:00**
